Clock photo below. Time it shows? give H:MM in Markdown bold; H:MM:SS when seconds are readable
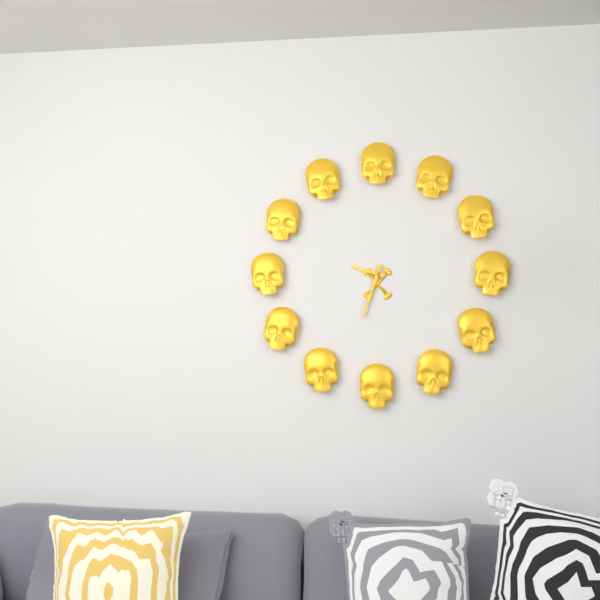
**9:33**
